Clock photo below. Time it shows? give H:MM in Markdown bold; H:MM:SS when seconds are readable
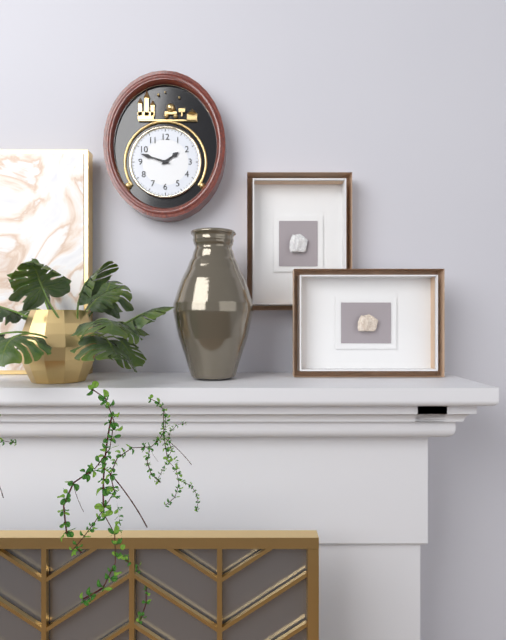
**1:48**
